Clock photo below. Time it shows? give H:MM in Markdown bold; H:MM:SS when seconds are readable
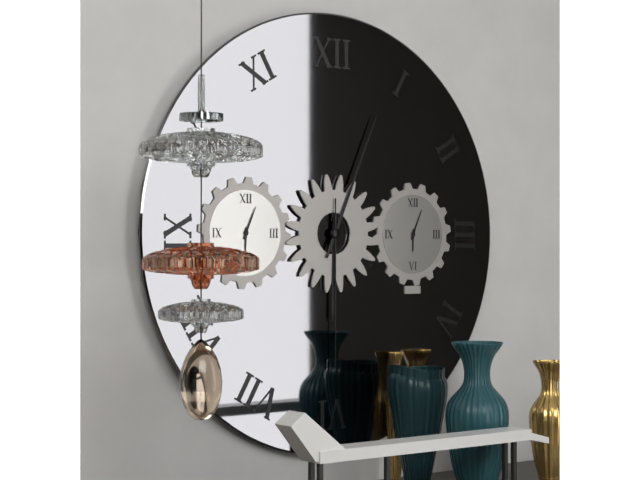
**6:04:30**
